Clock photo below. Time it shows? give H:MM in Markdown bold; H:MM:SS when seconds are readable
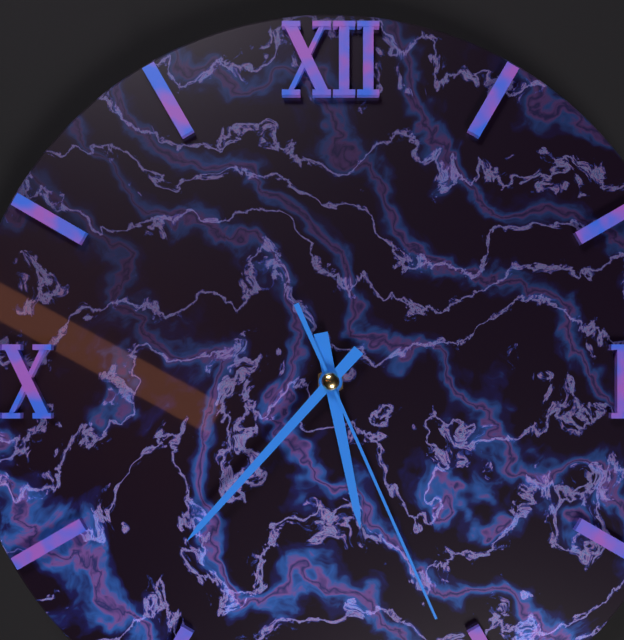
**5:37:26**
